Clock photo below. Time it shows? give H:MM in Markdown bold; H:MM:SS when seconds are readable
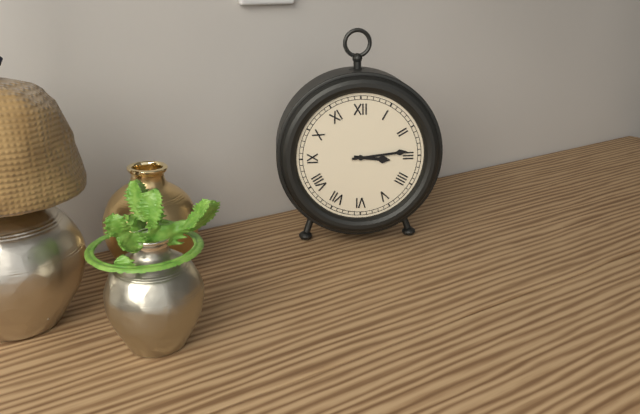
**3:14**
